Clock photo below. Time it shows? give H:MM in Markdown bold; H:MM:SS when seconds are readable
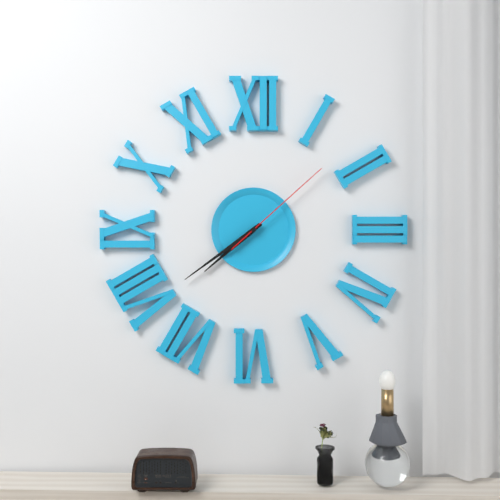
**7:39:08**
